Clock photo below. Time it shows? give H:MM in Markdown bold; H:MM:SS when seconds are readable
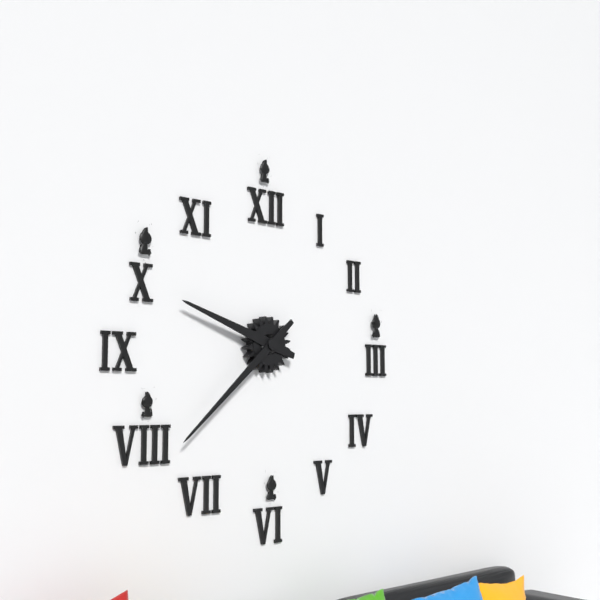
**9:38**
